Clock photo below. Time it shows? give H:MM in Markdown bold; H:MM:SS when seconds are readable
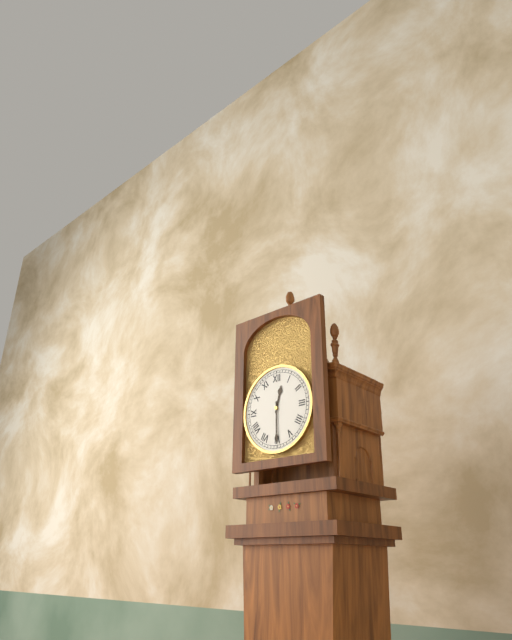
**12:30**
